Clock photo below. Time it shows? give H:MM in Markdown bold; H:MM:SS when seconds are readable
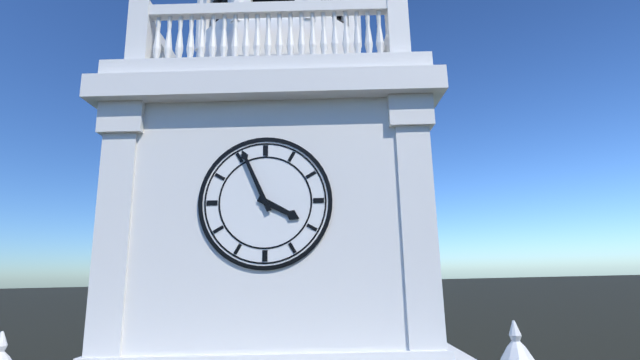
**3:56**
